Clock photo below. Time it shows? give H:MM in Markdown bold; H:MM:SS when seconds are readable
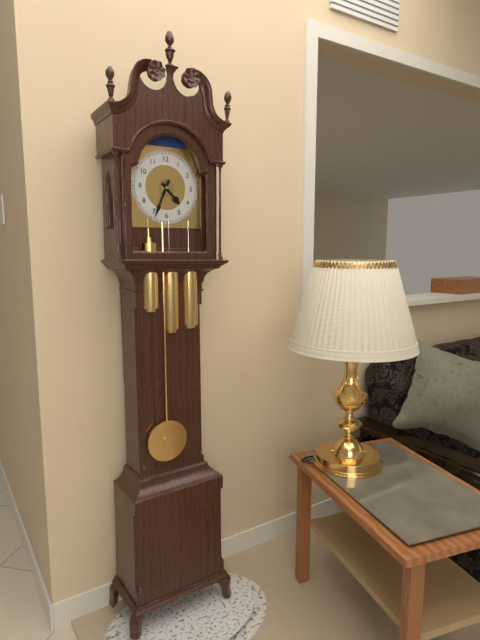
**4:34**
